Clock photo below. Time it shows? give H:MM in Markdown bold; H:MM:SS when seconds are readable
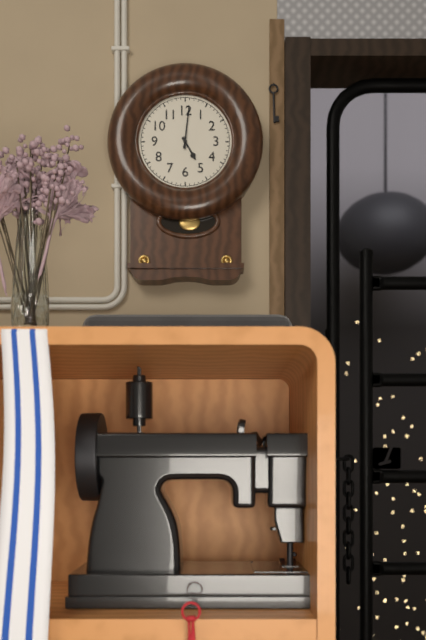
**5:01**
